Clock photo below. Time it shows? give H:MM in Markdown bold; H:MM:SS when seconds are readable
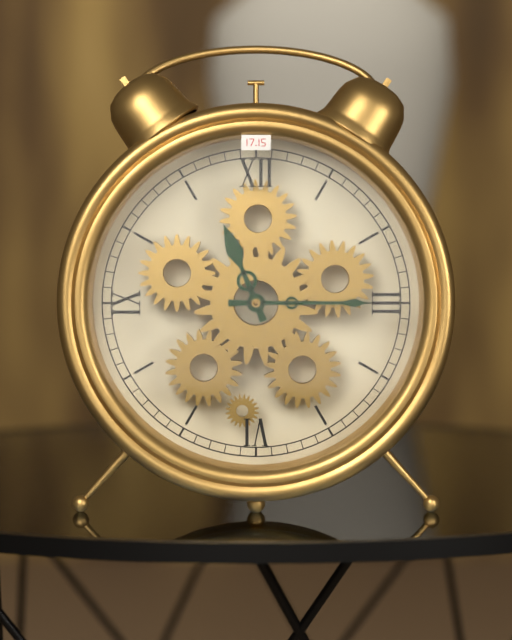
**11:15**
